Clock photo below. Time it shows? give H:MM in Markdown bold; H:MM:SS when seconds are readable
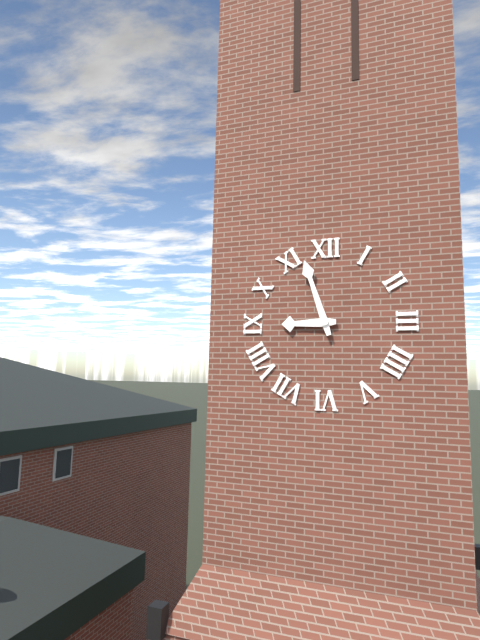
**8:57**
